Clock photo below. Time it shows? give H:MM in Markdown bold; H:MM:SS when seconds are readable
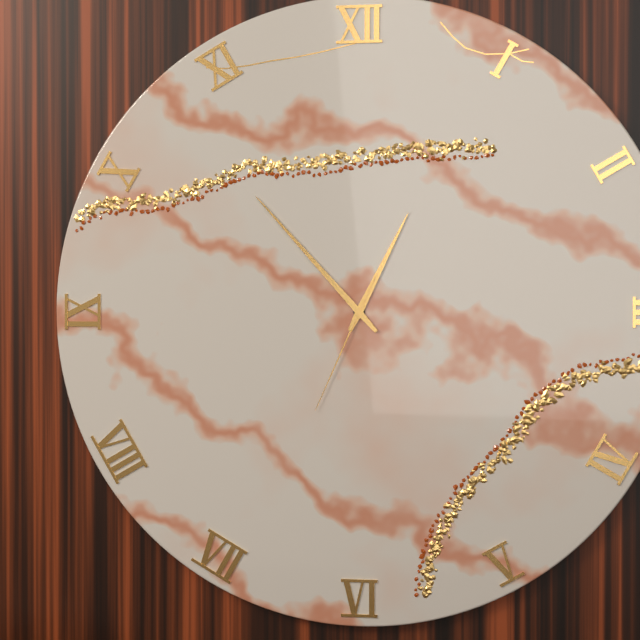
**12:53:34**
